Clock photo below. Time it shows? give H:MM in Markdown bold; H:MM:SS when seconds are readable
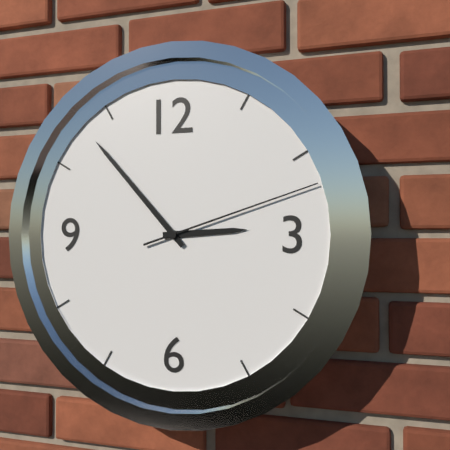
**2:53:12**
